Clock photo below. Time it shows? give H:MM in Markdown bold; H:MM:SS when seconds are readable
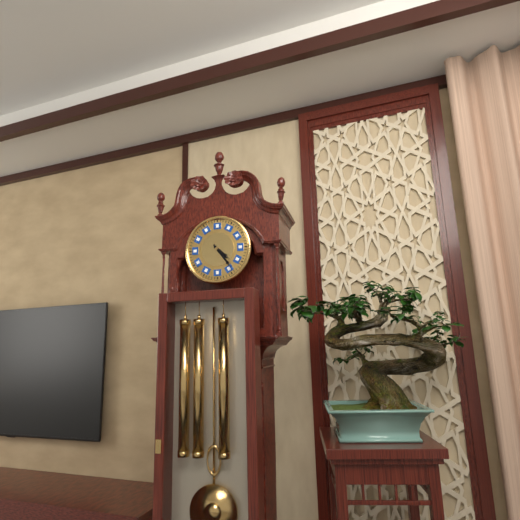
**4:24**
